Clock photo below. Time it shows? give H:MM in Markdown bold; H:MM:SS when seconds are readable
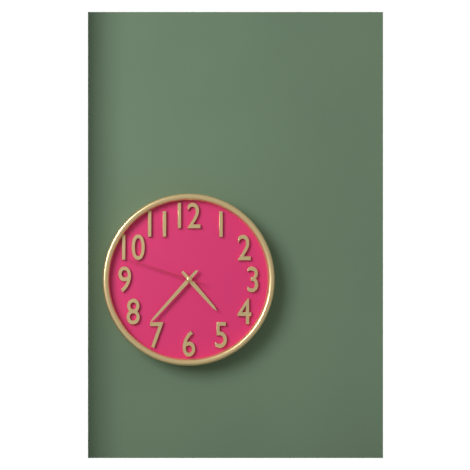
**4:37:48**
